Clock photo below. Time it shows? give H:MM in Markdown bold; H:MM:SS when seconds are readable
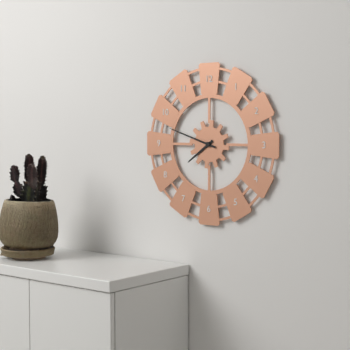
**7:48**
